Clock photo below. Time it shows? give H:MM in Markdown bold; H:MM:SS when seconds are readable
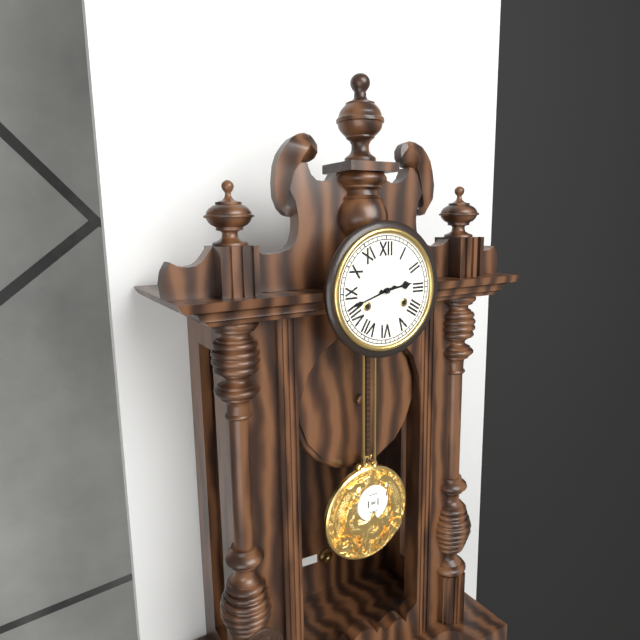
**2:42**
